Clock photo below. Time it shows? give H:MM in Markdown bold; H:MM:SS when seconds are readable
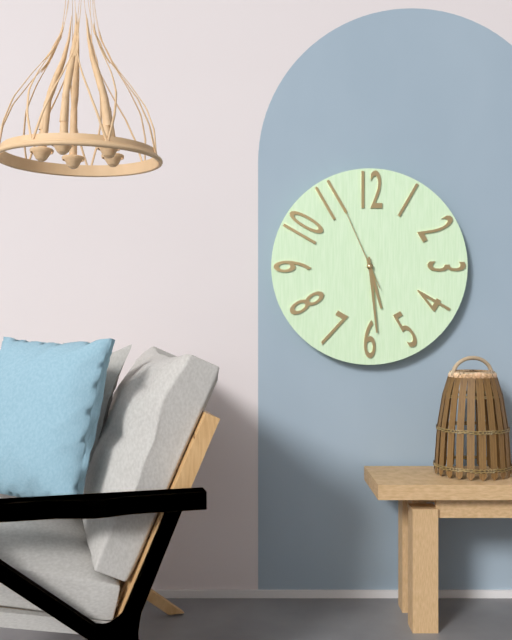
**5:29:56**
